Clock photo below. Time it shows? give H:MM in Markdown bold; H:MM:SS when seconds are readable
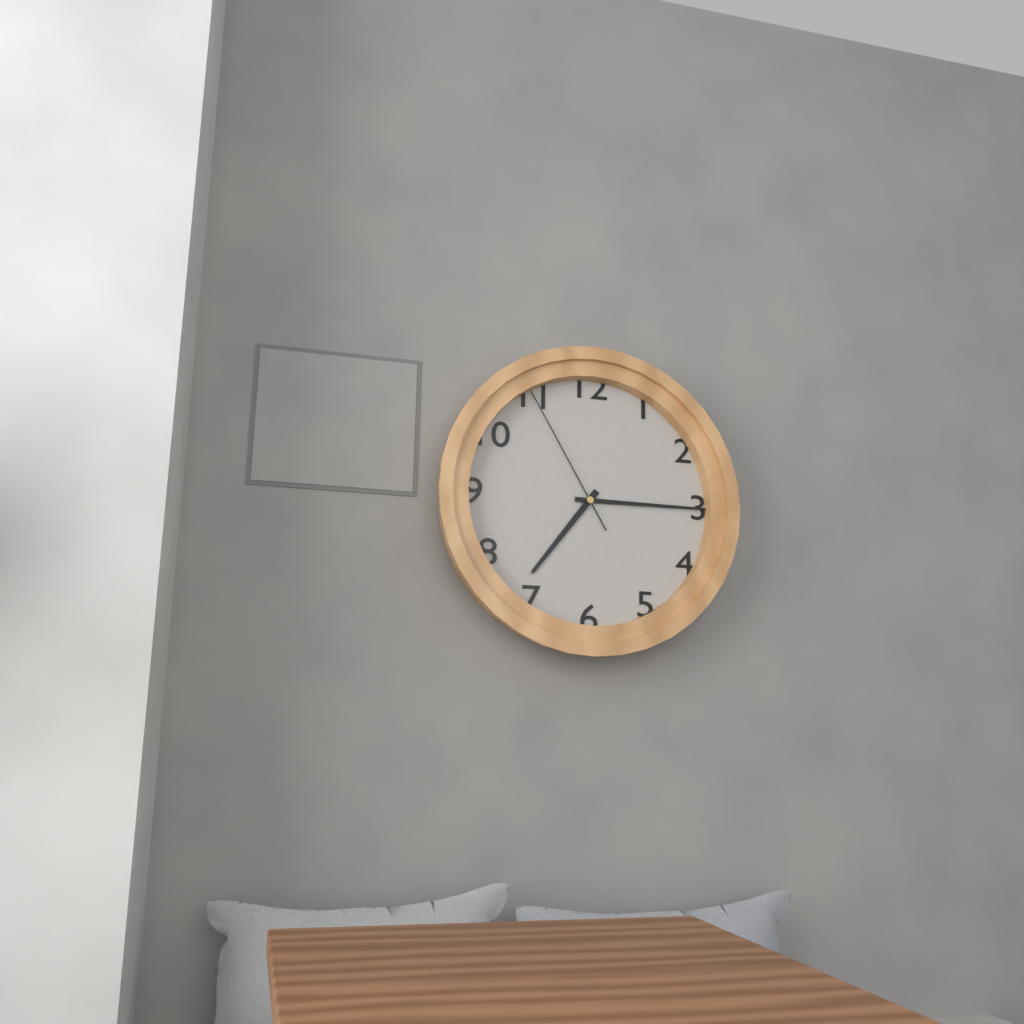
**7:15:55**
